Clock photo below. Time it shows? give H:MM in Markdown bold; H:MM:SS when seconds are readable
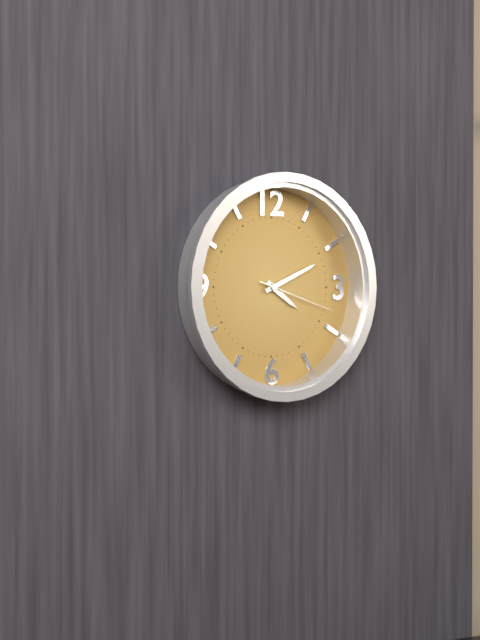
**4:11:18**
